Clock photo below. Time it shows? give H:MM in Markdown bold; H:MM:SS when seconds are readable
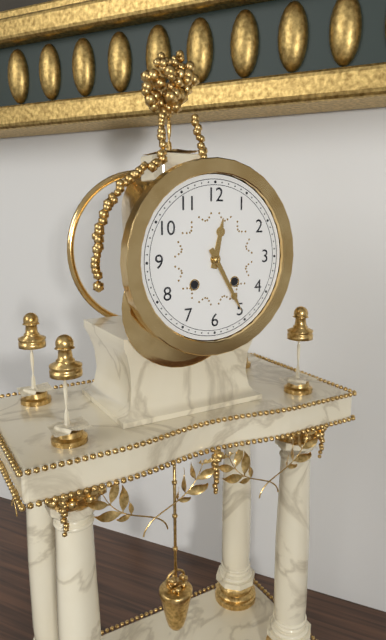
**12:25**
